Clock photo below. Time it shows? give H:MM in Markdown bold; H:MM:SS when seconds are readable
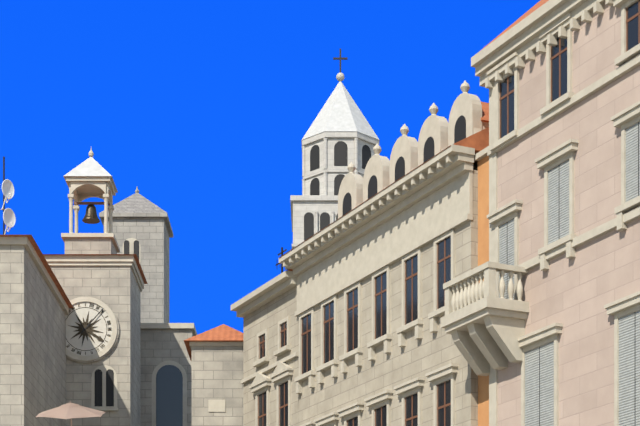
**4:07**
